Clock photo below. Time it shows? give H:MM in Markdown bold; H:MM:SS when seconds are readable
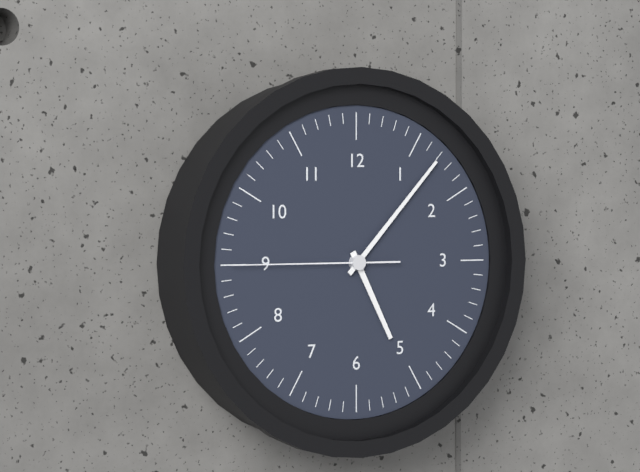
**5:07:45**
